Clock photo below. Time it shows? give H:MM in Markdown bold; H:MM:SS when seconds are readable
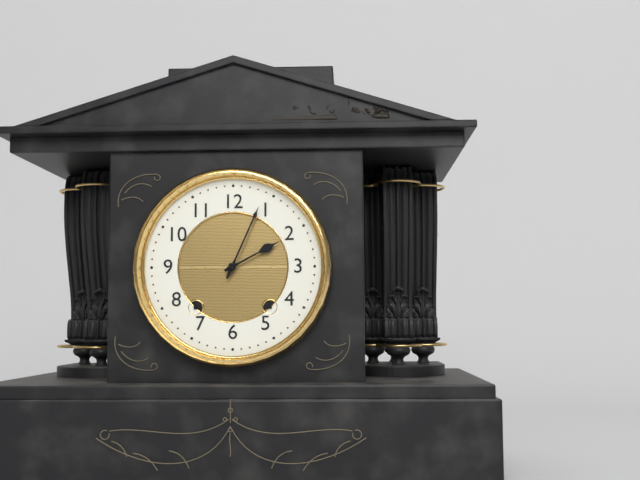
**2:04**
